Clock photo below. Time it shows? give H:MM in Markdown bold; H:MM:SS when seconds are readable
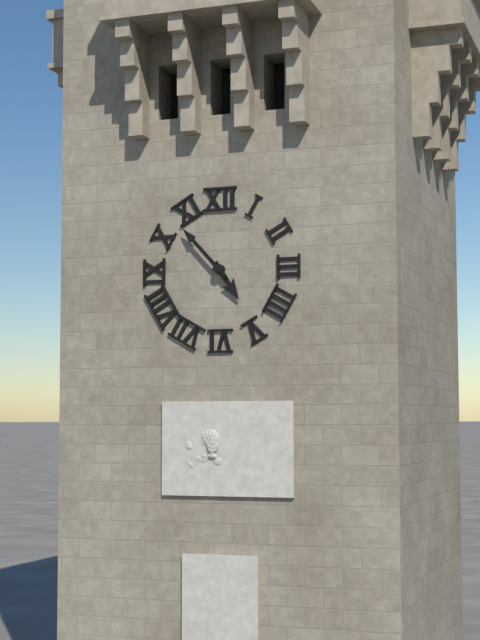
**4:53**
